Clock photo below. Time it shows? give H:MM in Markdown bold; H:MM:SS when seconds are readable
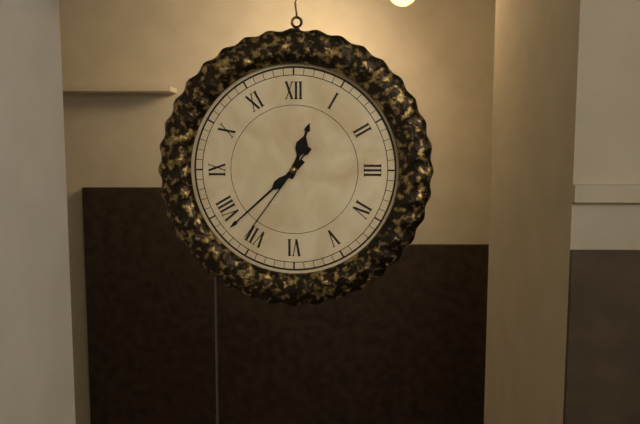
**12:38:36**
